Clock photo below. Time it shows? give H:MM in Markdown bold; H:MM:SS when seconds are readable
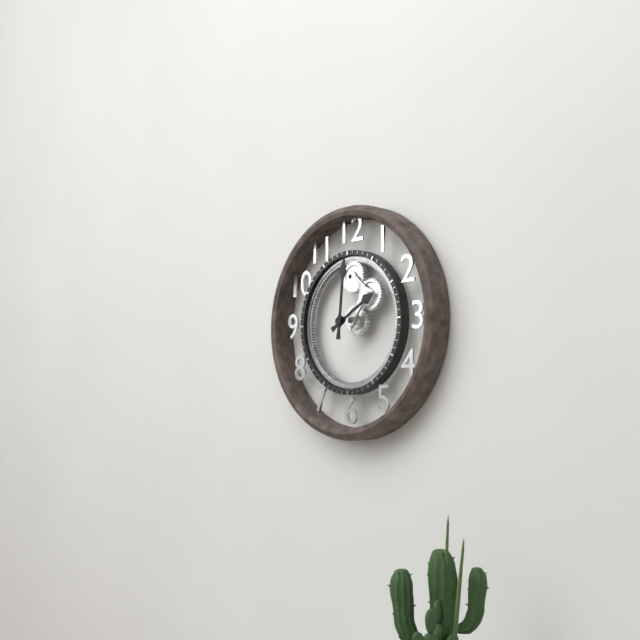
**2:01**
